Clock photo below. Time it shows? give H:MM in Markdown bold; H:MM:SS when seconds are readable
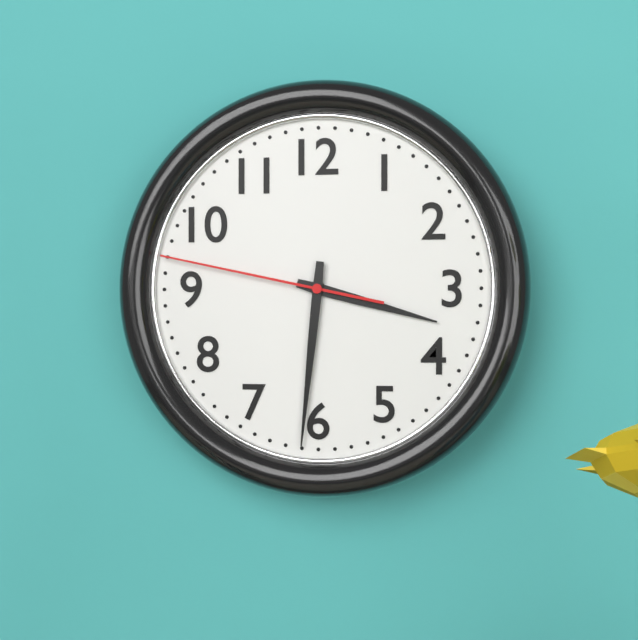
**3:31:47**
